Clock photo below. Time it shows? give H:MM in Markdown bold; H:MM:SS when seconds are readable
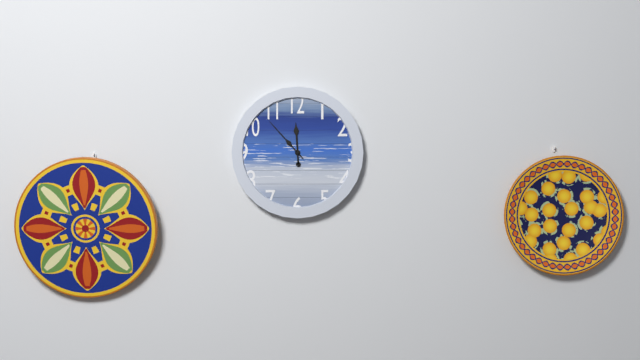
**11:53**
